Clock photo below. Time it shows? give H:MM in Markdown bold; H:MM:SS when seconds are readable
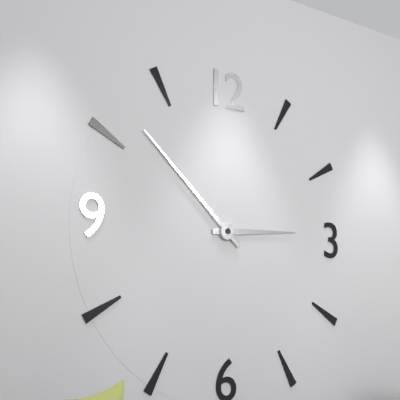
**2:52**
